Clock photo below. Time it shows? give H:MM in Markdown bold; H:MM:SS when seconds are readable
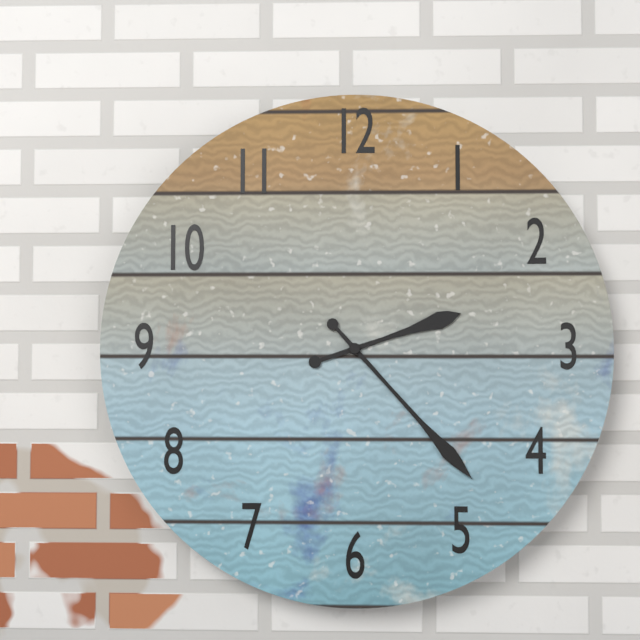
**2:23**
